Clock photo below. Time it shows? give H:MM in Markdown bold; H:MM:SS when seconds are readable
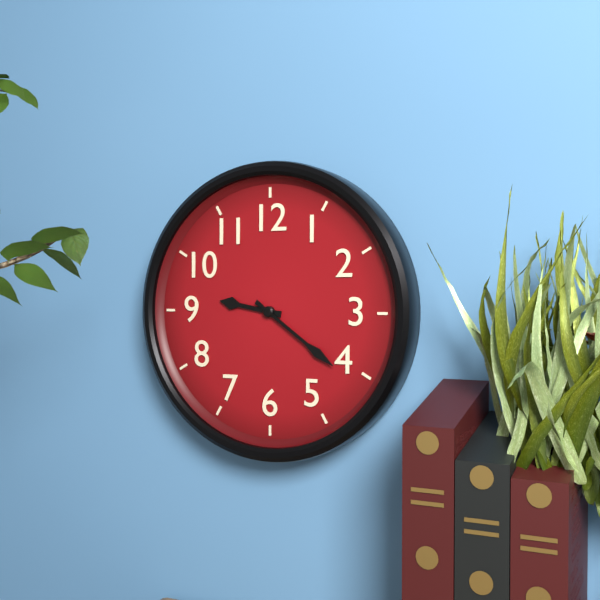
**9:21**
